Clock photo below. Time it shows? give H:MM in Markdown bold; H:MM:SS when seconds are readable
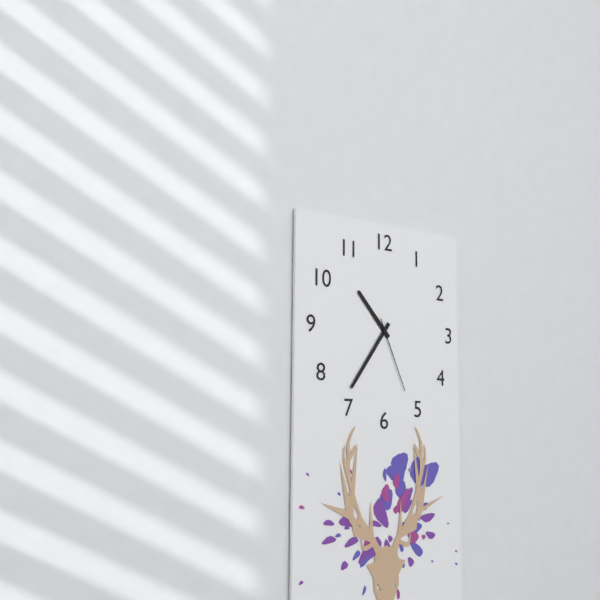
**10:36:26**
